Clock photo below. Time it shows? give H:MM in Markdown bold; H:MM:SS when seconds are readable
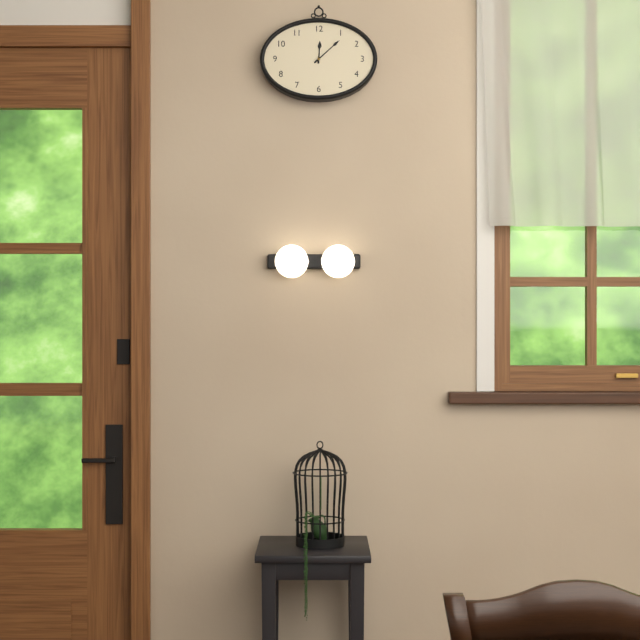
**12:08**
